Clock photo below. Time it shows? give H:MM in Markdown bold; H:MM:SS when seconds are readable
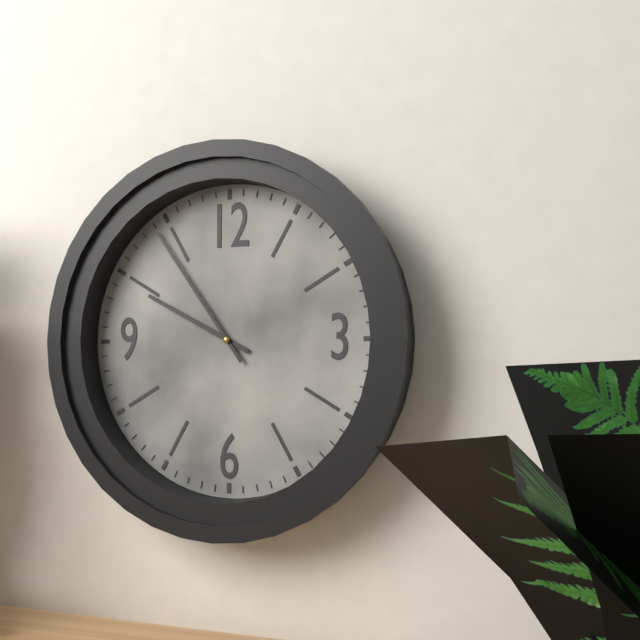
**9:54**
